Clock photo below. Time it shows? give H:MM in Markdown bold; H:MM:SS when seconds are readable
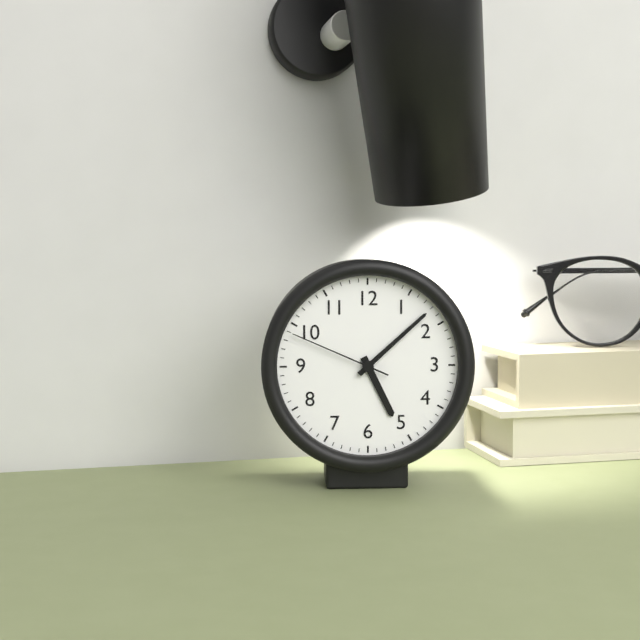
**5:08:49**
